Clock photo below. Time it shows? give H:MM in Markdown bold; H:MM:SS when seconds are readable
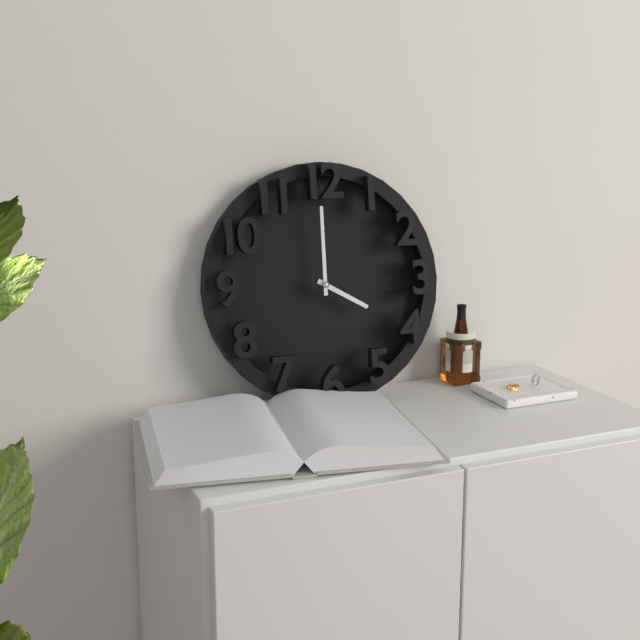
**4:00**
